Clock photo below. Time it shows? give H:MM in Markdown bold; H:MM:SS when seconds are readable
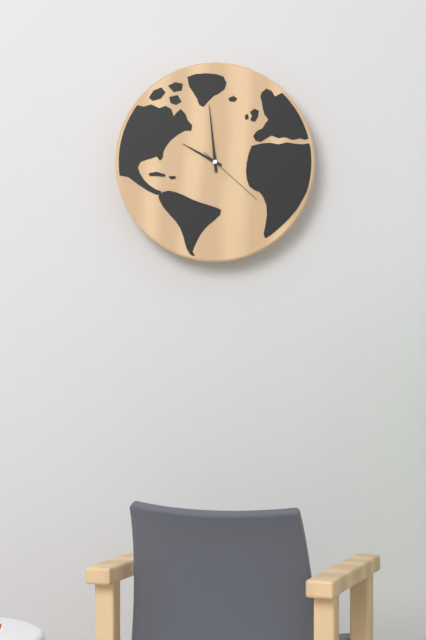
**9:59:22**
